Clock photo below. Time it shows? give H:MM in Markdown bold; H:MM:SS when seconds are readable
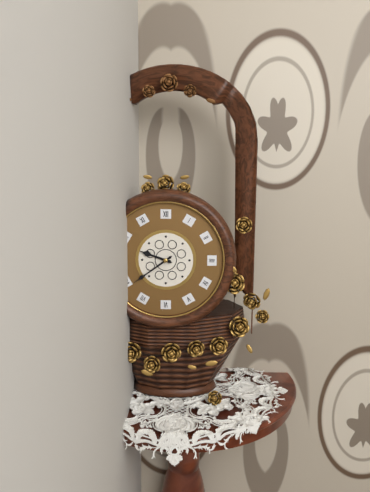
**9:39**
